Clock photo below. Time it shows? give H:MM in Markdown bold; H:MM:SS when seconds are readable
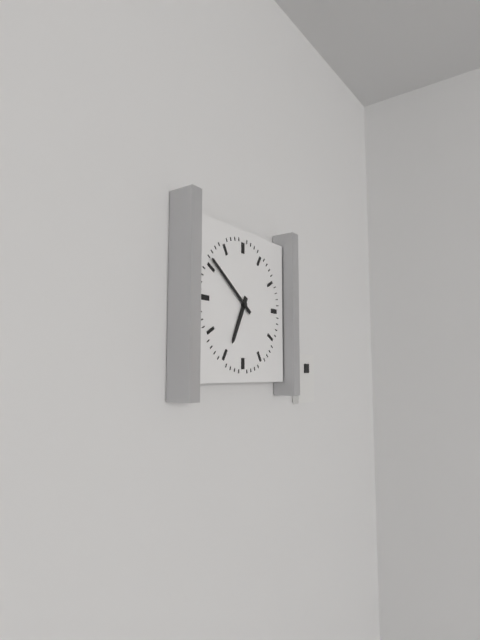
**6:51**
